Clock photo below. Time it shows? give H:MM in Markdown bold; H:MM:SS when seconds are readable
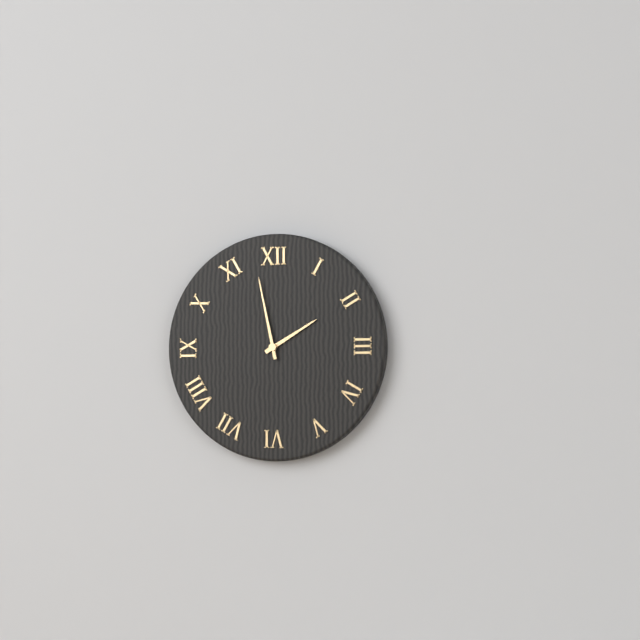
**1:58**
